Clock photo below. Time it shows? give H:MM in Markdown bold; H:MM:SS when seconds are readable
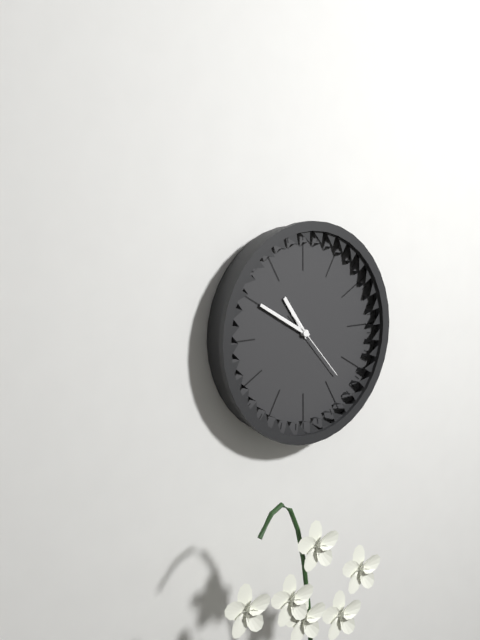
**10:50:23**
